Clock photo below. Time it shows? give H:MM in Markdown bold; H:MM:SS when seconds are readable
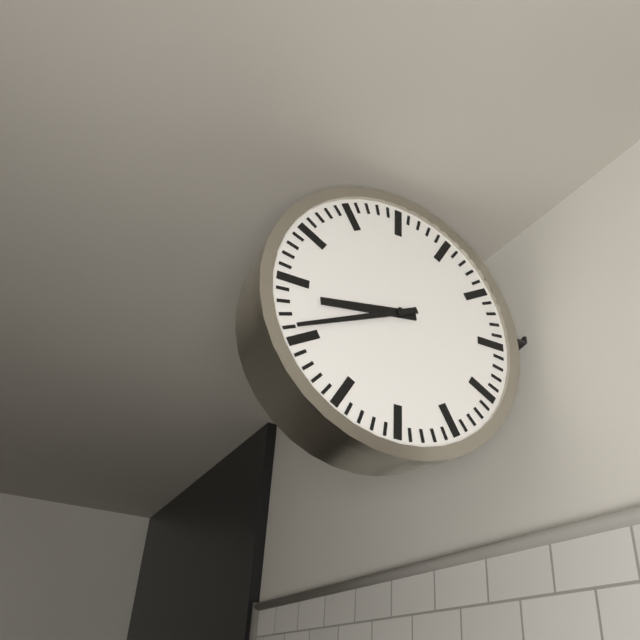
**8:41**
